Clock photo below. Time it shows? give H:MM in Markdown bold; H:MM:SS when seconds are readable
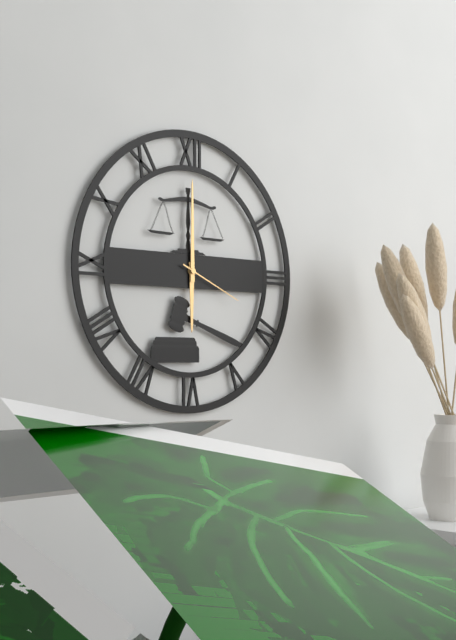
**6:00:19**
